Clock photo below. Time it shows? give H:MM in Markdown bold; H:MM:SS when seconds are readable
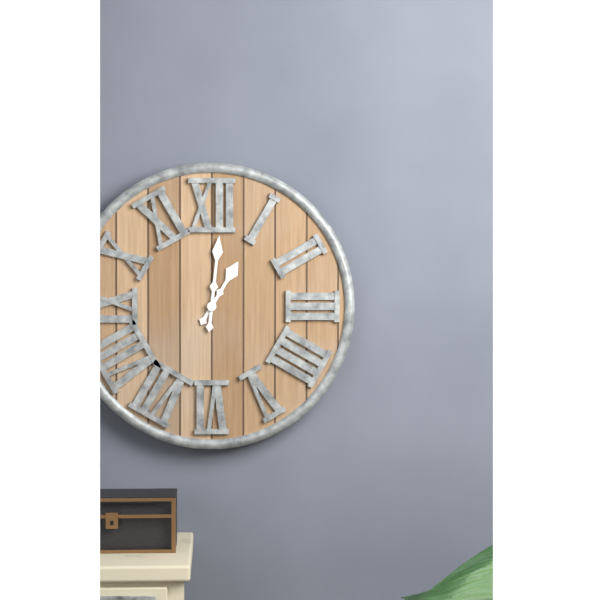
**1:01**
